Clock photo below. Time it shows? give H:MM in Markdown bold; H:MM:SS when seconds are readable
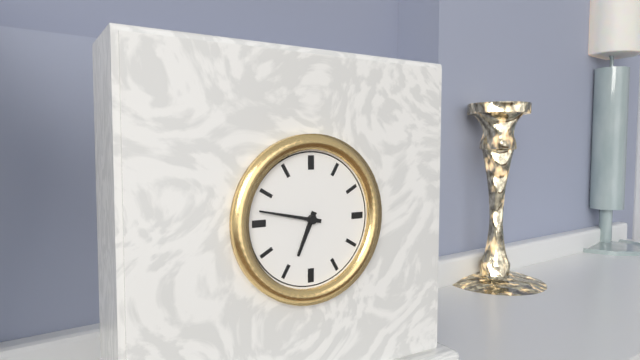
**6:47**
